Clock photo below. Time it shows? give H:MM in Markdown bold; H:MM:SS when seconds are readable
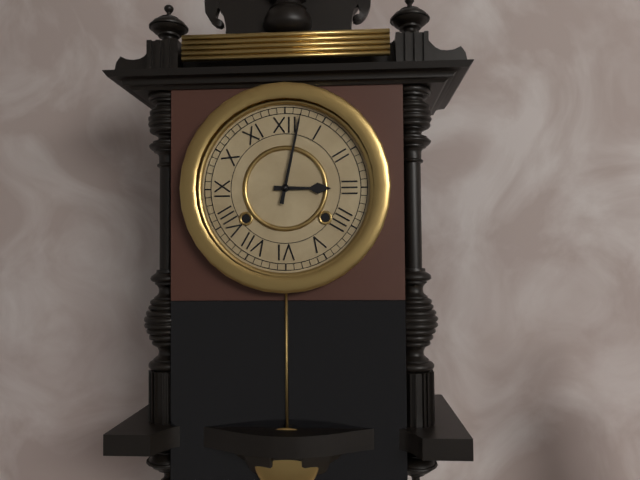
**3:02**
